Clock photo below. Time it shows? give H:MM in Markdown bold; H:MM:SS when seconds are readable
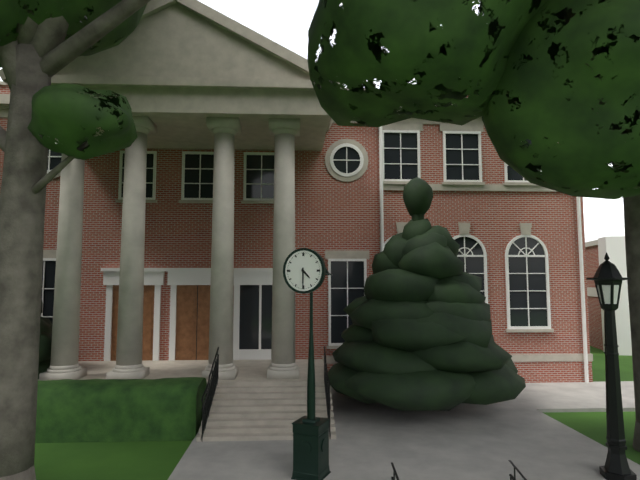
**4:30**
